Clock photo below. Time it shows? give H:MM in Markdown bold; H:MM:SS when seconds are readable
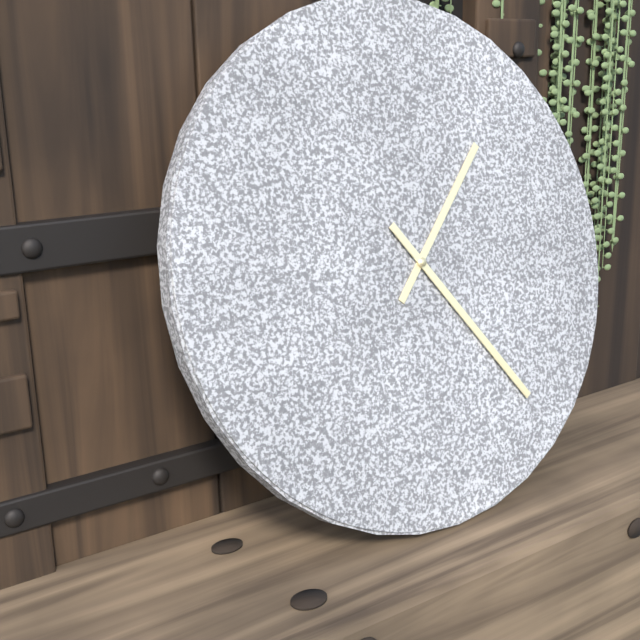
**1:24**
